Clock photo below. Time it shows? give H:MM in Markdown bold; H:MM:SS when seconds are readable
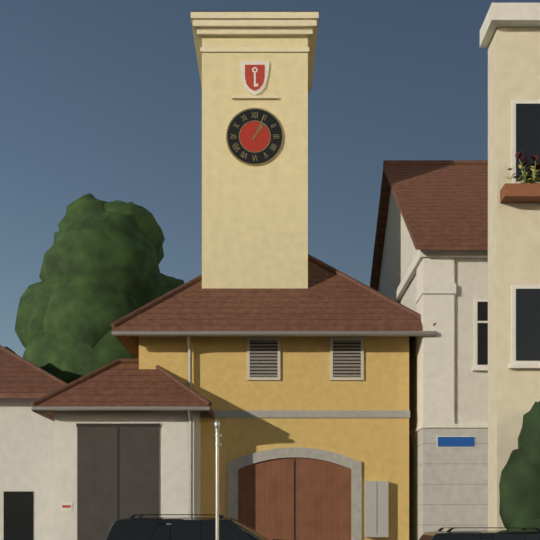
**1:04**
